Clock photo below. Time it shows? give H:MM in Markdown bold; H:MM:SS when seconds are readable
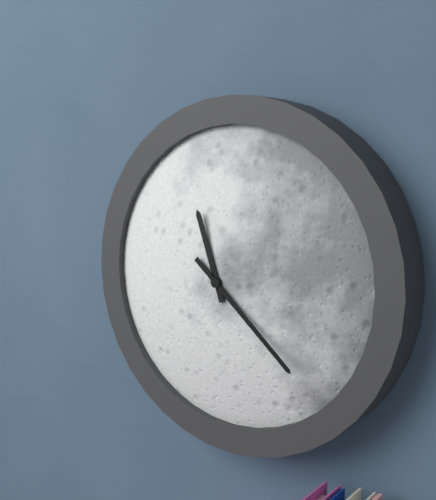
**11:22**
